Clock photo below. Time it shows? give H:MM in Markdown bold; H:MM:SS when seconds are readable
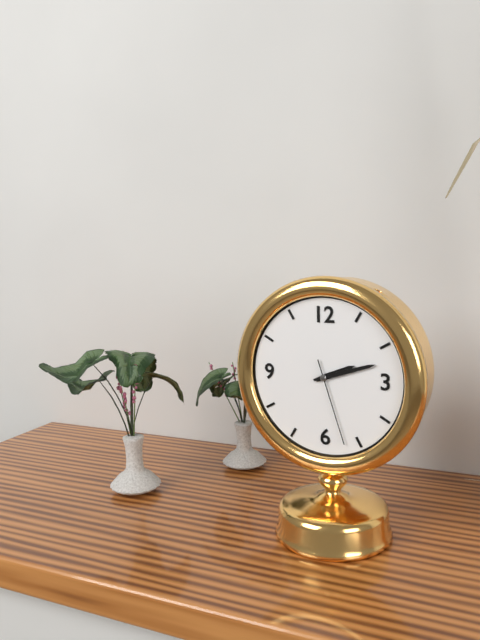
**2:12:27**
